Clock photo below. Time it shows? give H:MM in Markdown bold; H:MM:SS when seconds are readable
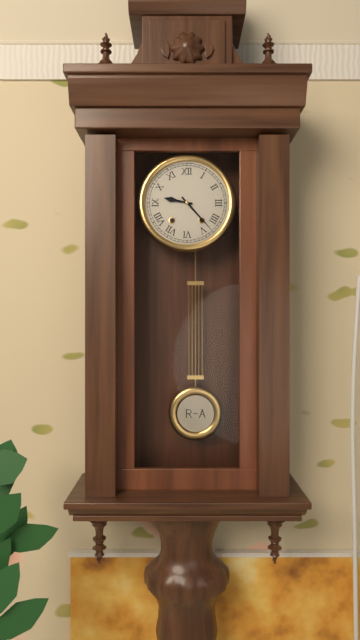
**9:23**
